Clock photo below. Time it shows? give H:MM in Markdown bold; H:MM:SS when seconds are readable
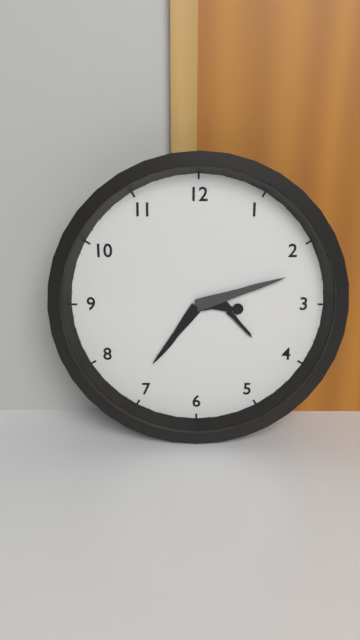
**7:12**
